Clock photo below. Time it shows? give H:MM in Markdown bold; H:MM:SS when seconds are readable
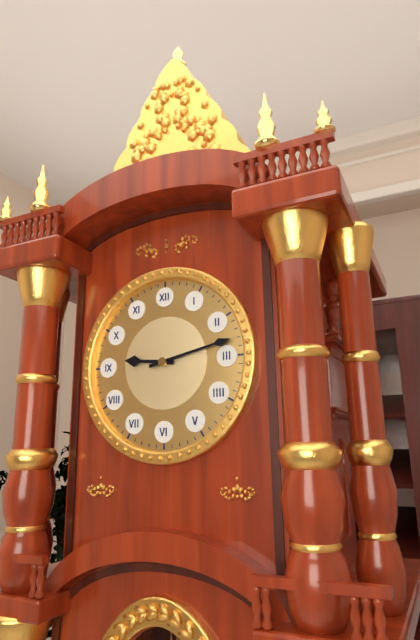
**9:13**
